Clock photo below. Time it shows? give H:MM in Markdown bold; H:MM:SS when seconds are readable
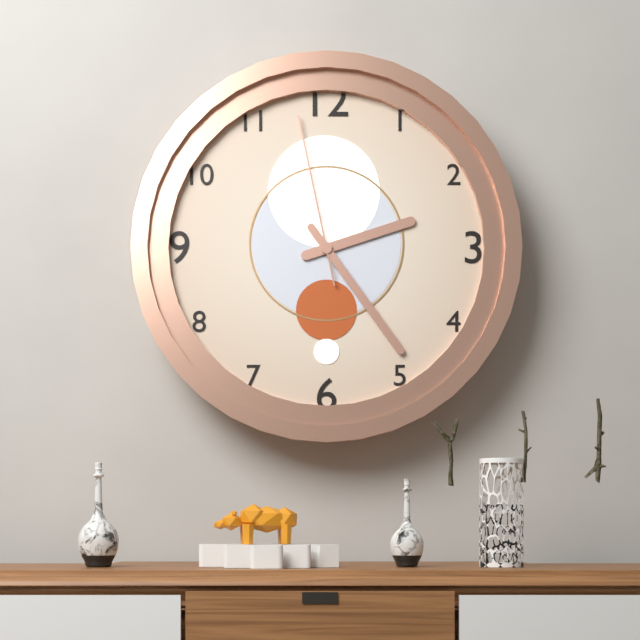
**2:24:58**
